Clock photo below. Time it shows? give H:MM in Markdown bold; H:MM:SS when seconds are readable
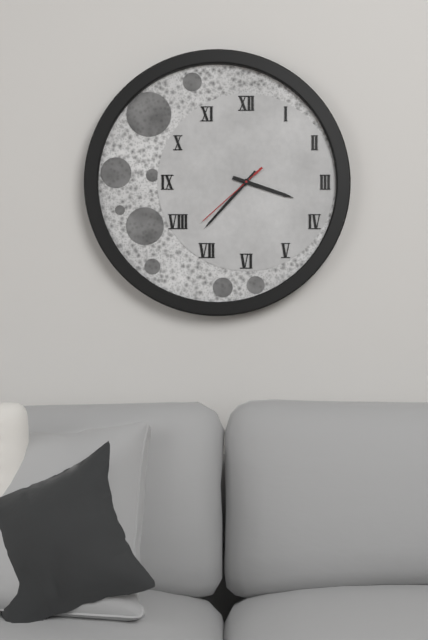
**3:37:38**
